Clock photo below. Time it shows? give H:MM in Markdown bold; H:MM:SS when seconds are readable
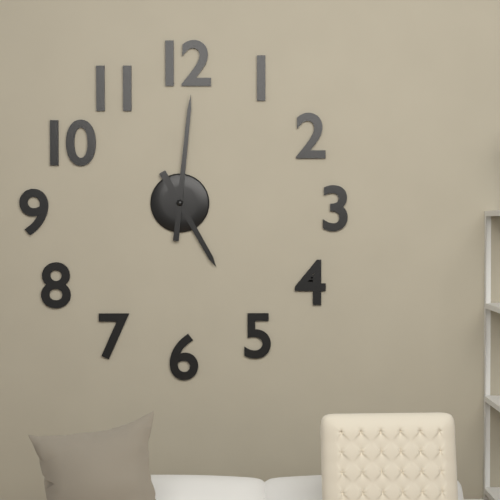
**5:01**
